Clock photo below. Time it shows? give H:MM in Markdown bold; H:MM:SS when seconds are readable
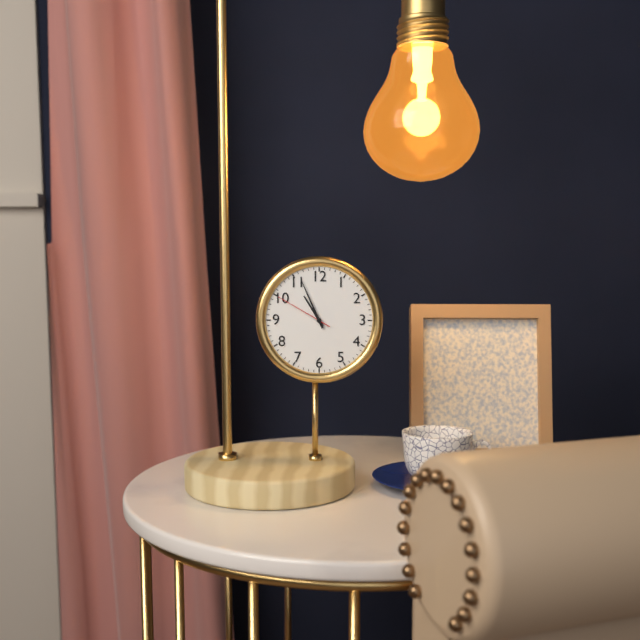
**10:56:50**
